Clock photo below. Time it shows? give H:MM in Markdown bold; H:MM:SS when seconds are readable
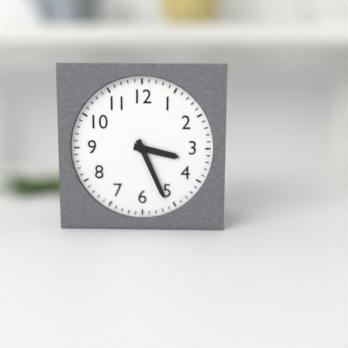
**3:26**
